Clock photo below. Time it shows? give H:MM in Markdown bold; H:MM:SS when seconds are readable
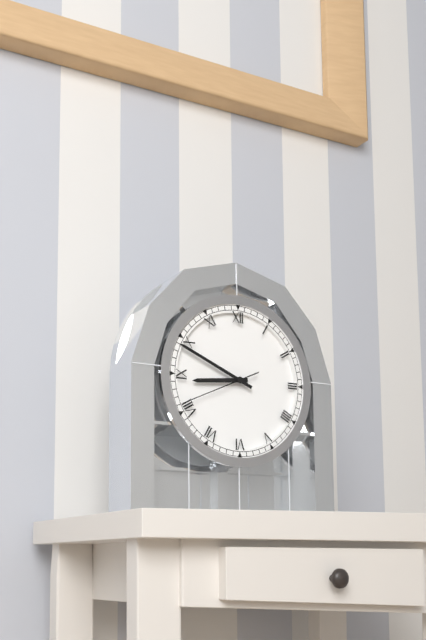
**8:49**
